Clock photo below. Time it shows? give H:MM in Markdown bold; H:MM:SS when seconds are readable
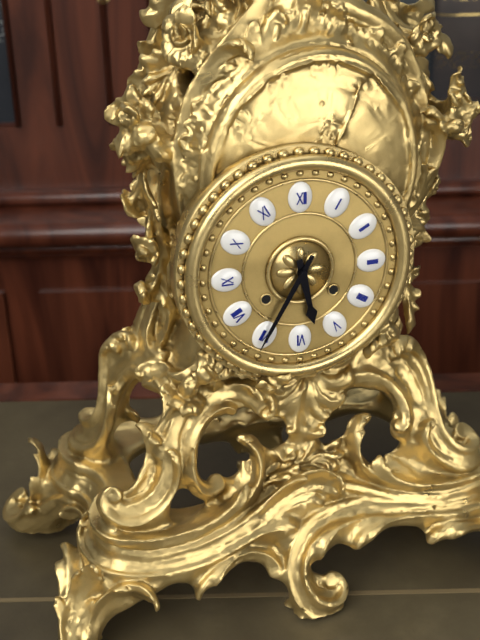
**5:35**
